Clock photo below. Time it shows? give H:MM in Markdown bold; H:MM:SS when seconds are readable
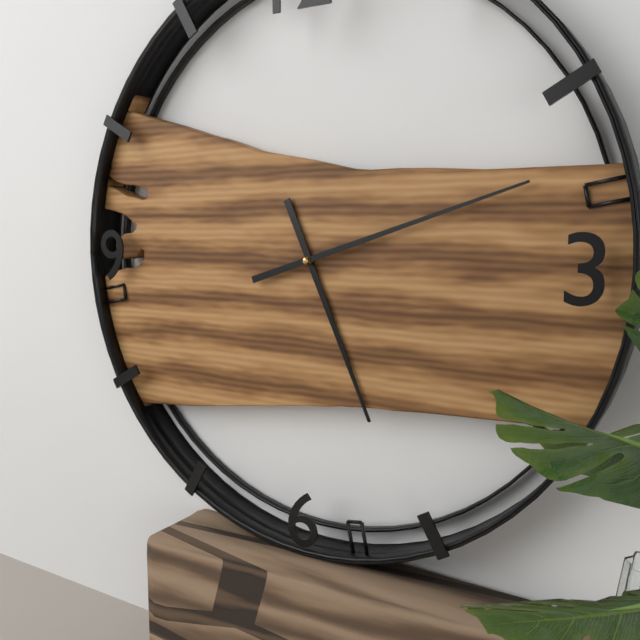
**5:12**
